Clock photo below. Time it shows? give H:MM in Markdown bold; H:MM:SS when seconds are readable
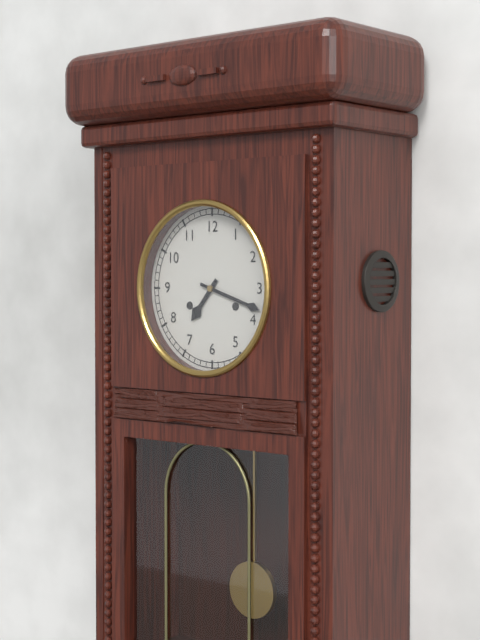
**7:18**
